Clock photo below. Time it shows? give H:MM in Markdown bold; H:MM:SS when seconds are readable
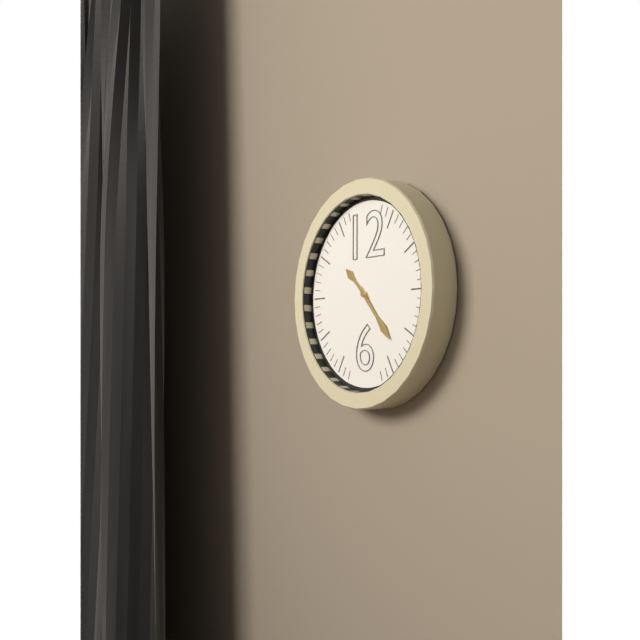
**10:23**
